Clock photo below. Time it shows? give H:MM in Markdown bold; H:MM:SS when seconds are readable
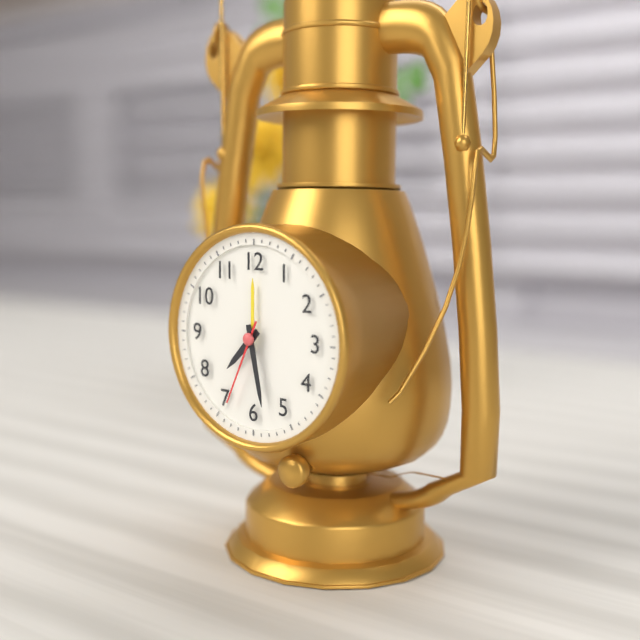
**7:28:34**
